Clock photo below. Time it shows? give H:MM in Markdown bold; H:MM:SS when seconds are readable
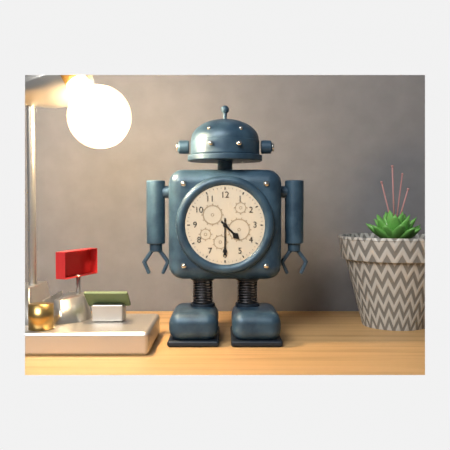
**4:30**
